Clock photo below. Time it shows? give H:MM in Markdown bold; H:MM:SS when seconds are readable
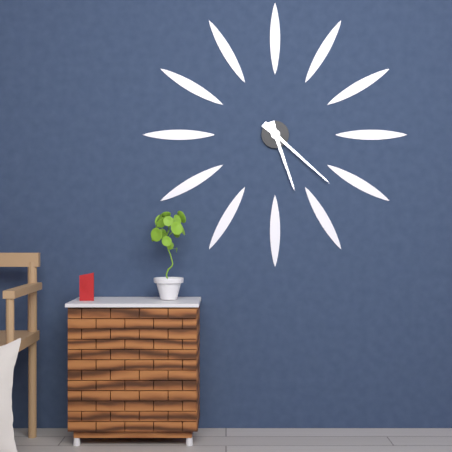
**5:22**
